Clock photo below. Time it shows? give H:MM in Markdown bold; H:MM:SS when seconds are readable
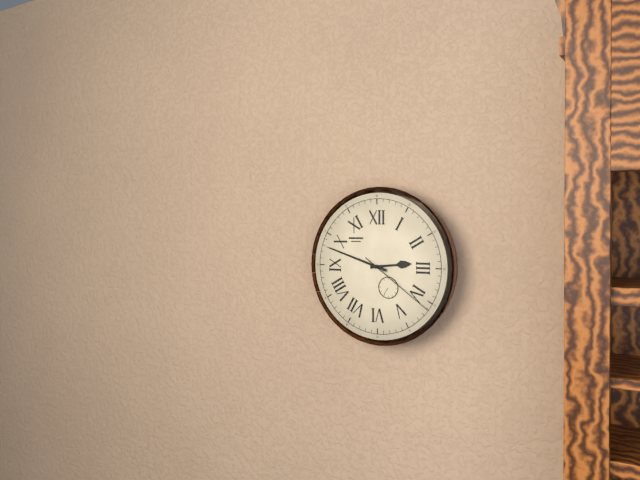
**2:48:21**
